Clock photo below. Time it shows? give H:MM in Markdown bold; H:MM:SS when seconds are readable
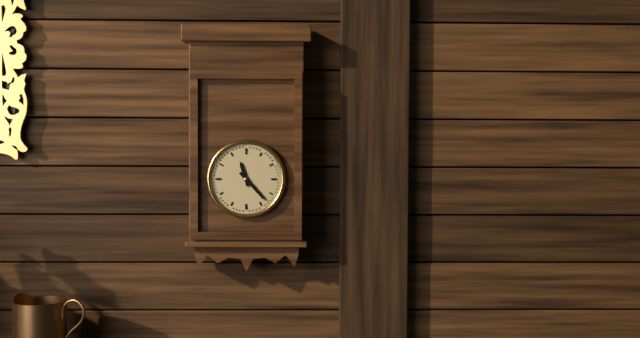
**11:23**
